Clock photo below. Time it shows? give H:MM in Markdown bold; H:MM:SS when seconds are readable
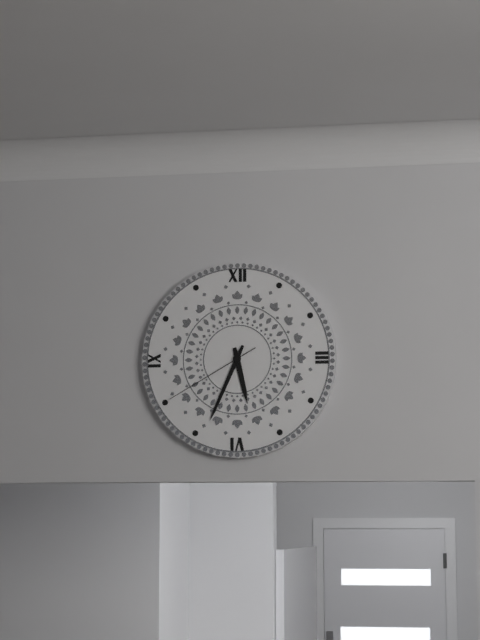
**5:34:40**
